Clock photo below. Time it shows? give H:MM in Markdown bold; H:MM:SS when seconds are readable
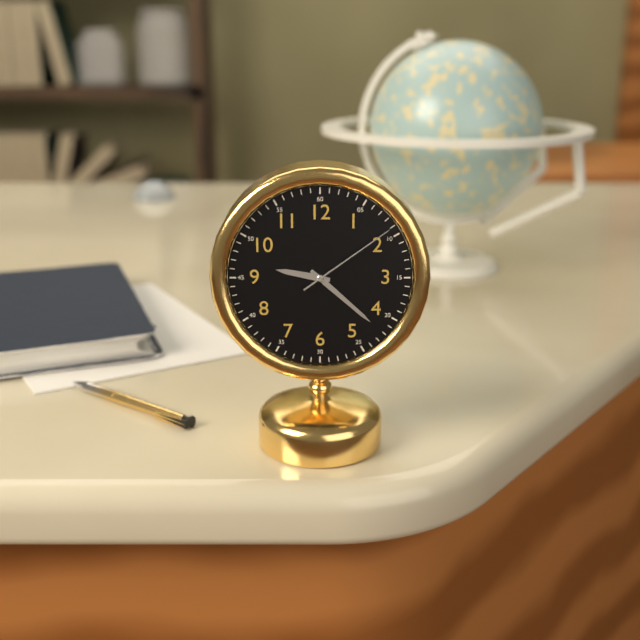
**9:22:09**
